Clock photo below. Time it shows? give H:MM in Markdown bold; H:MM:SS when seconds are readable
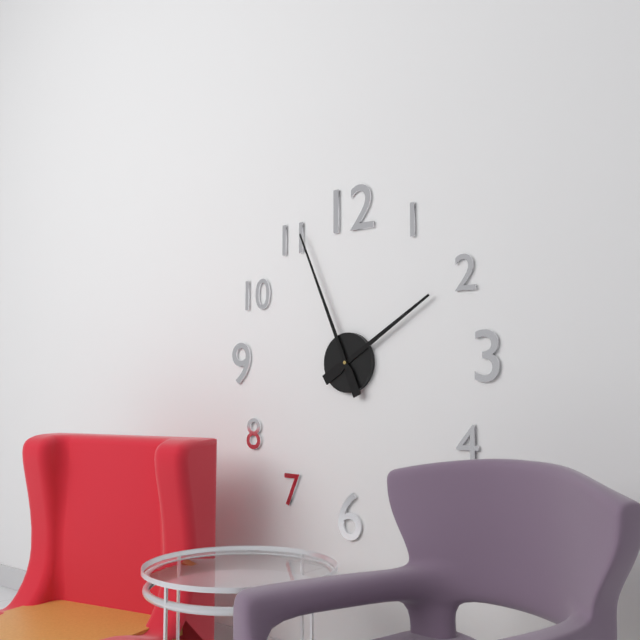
**1:56**
